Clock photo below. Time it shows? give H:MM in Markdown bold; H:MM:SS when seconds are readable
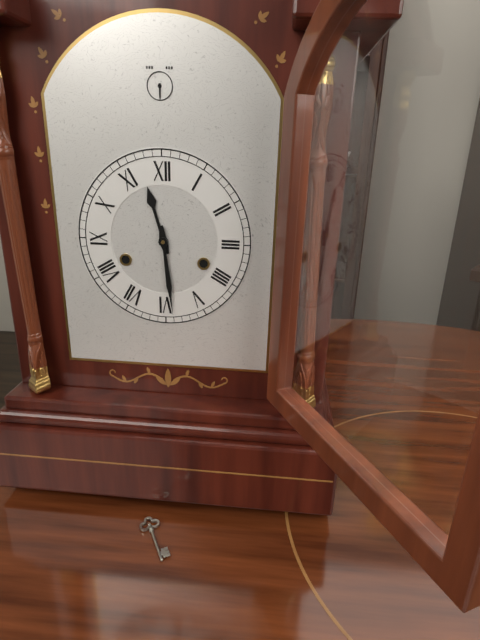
**11:29**
